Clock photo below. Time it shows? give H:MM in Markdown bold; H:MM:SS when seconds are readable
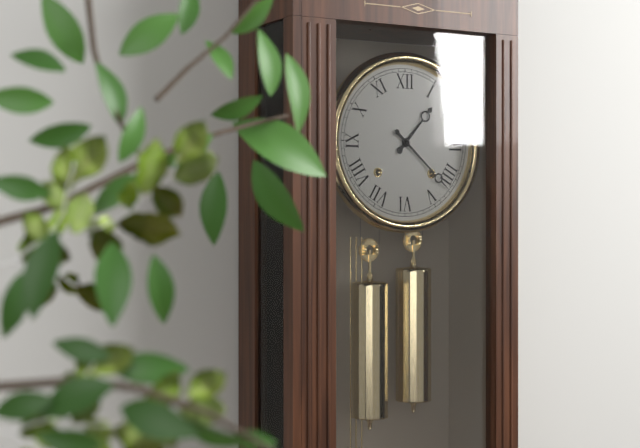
**1:22**
